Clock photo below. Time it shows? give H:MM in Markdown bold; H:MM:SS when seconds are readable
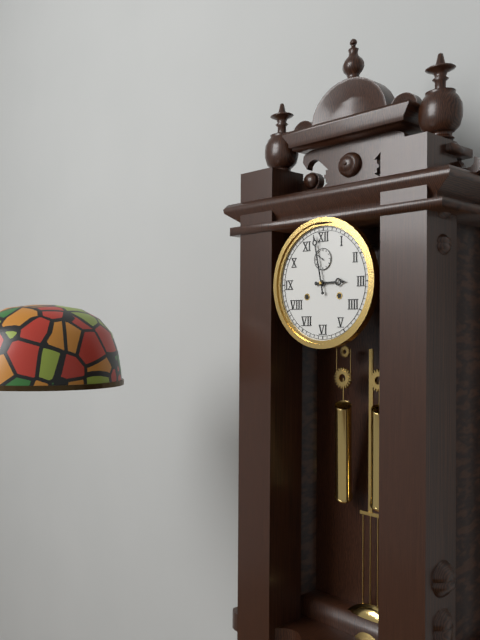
**2:58**
